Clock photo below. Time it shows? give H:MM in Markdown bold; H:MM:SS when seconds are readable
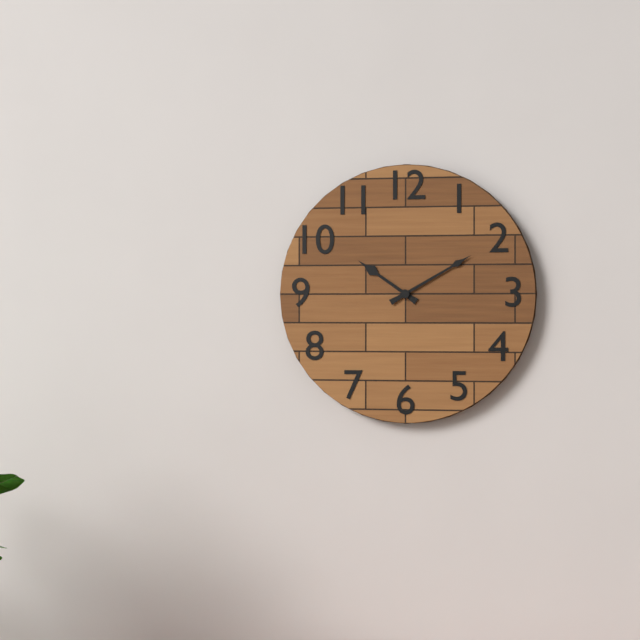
**10:10**
